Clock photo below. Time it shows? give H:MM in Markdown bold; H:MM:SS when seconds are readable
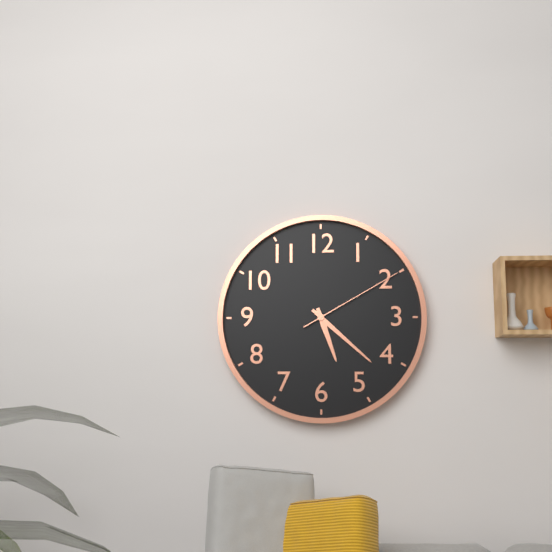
**5:22:10**
